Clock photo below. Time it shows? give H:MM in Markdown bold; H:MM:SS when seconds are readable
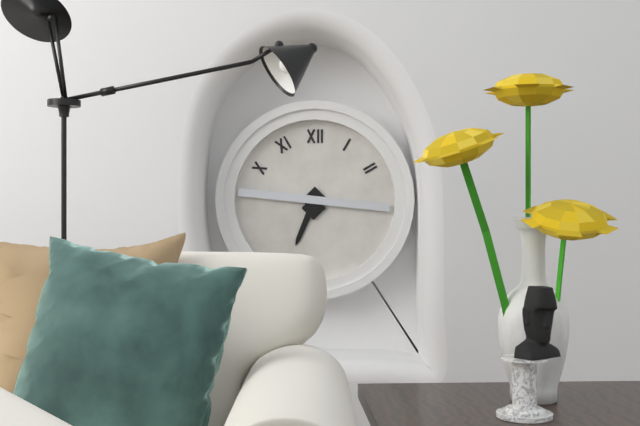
**6:46**
